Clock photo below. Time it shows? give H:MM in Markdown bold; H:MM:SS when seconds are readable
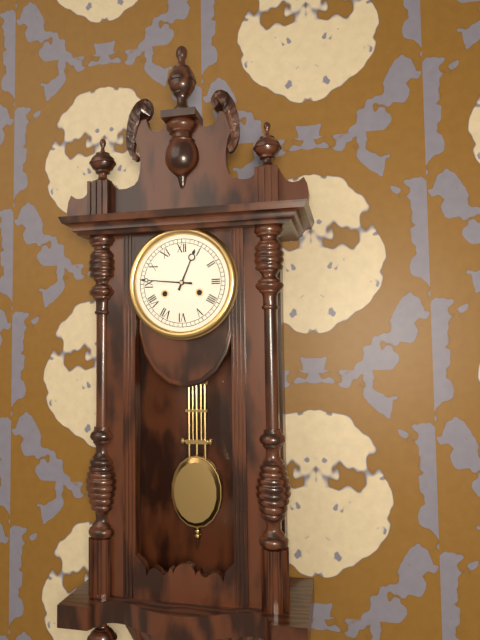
**12:46**
